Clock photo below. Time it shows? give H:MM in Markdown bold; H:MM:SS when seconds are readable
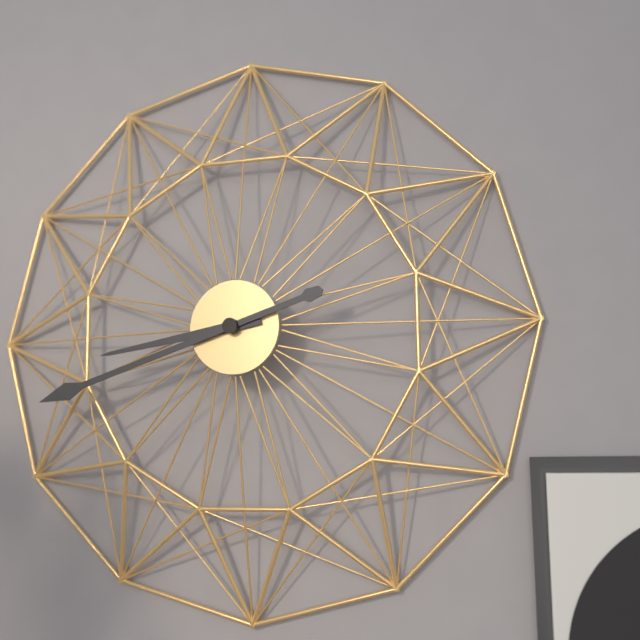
**8:42**
